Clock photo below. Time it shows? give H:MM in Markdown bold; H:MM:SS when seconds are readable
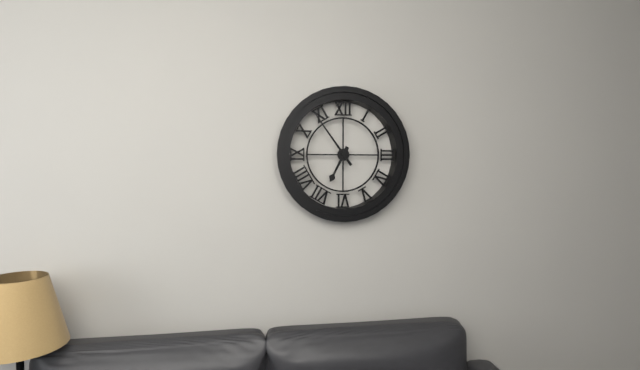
**6:54**
